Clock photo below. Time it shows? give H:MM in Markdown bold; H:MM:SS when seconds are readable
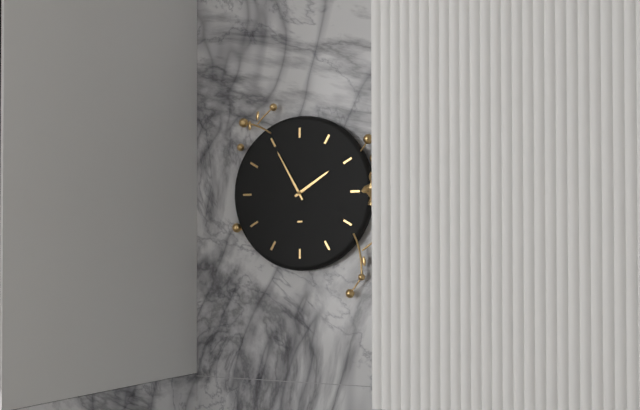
**1:55**
